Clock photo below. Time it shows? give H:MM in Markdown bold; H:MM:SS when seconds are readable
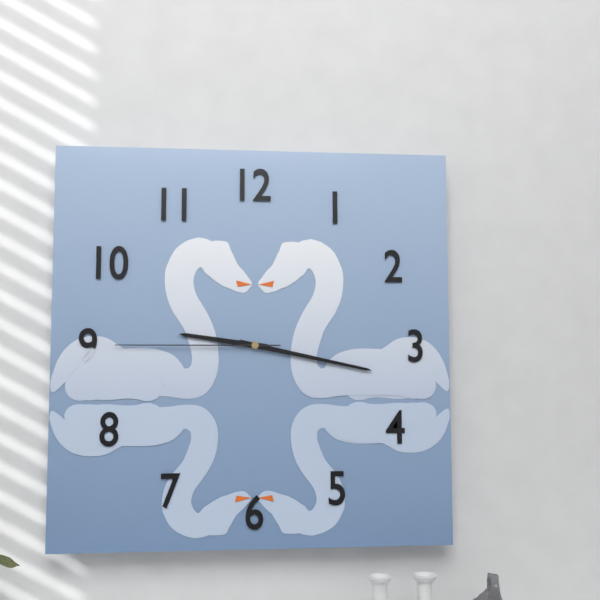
**9:17:45**
